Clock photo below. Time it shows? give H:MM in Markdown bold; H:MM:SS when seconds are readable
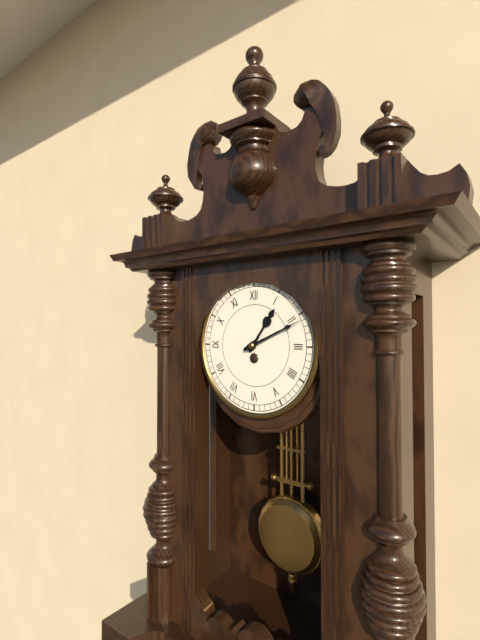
**1:11**
